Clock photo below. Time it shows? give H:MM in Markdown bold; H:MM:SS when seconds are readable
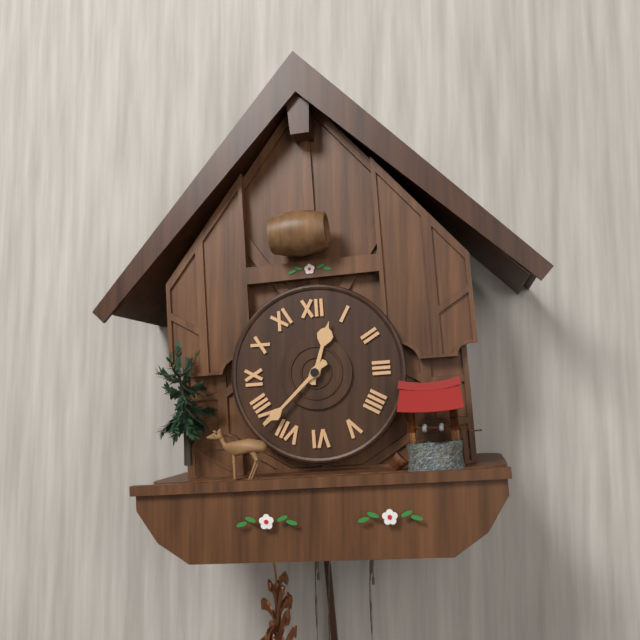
**12:38**
